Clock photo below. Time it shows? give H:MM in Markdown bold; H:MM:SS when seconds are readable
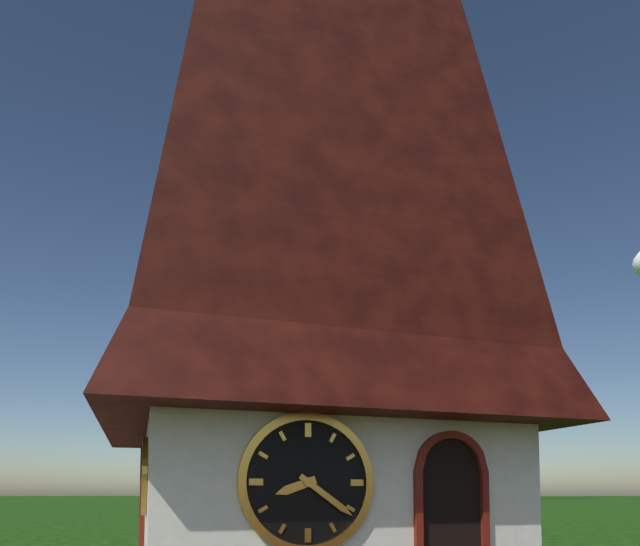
**8:21**
